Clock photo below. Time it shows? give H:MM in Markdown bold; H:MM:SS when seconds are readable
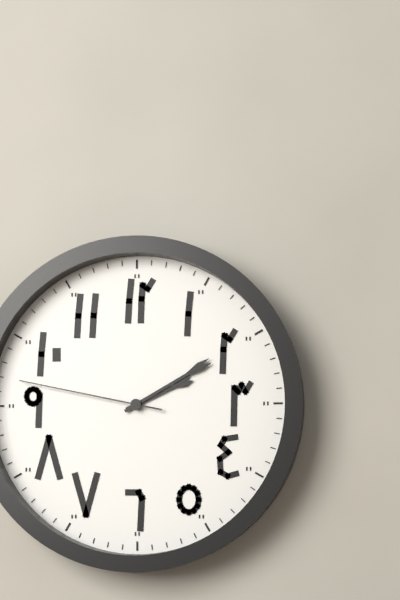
**2:10:47**
